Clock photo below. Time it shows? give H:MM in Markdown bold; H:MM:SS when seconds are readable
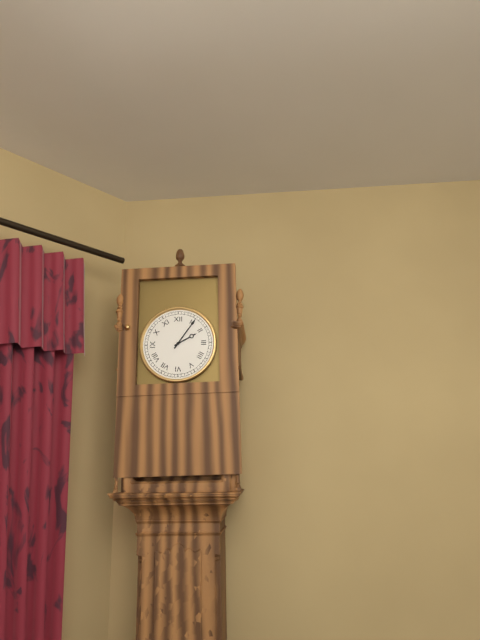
**2:06**
